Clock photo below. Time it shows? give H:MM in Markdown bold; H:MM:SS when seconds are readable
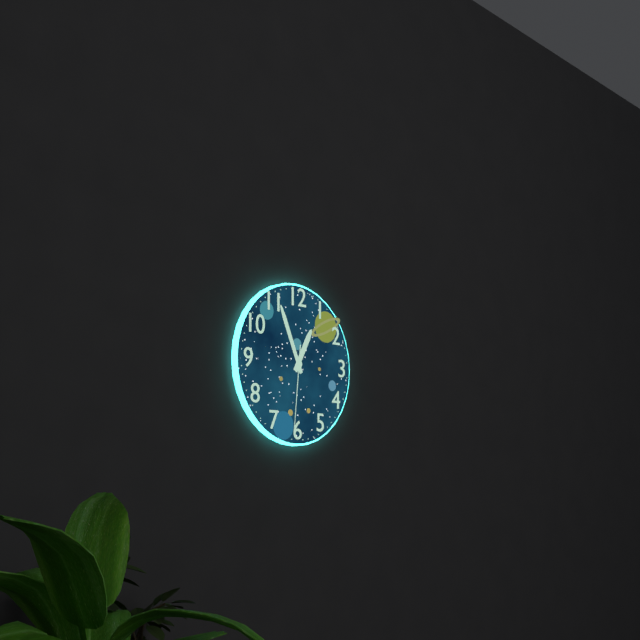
**12:56:31**
